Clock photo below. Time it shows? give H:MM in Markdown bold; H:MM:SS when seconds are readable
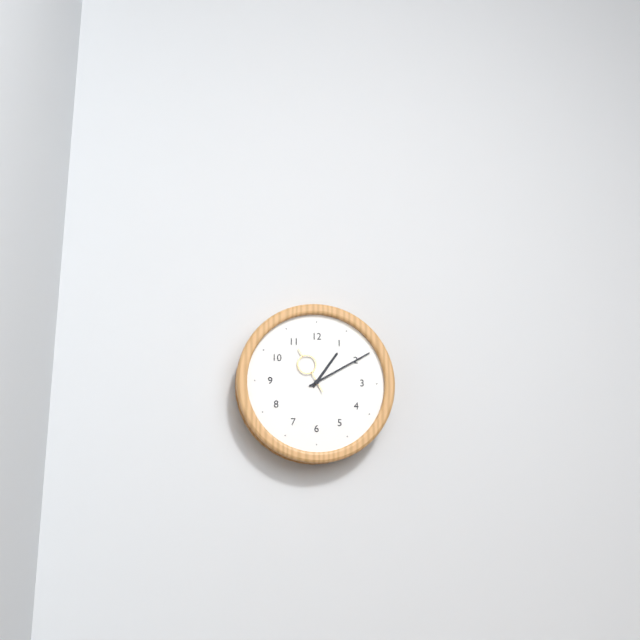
**1:10**
